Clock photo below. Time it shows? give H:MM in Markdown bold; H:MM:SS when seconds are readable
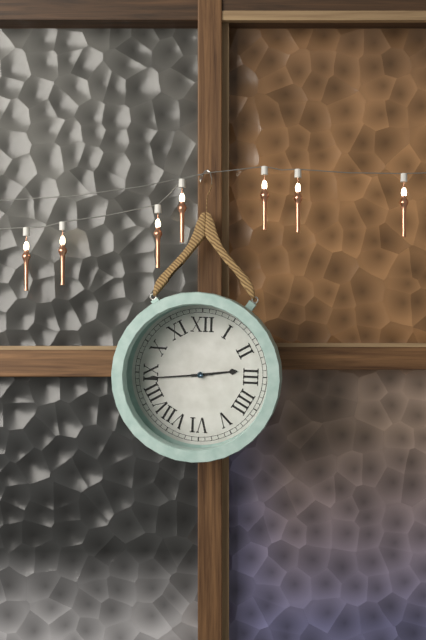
**2:44**
